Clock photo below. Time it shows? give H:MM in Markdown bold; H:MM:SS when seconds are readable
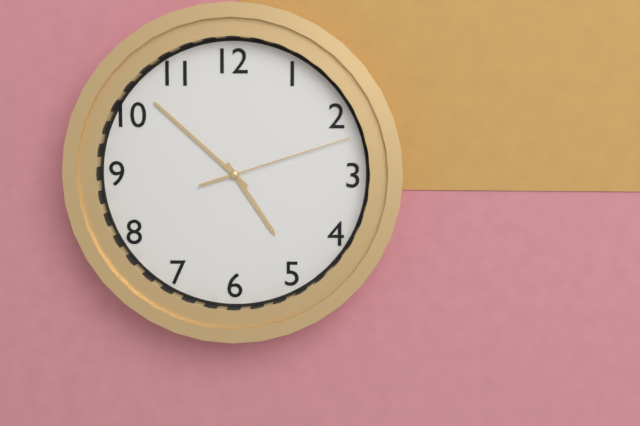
**4:52:12**
